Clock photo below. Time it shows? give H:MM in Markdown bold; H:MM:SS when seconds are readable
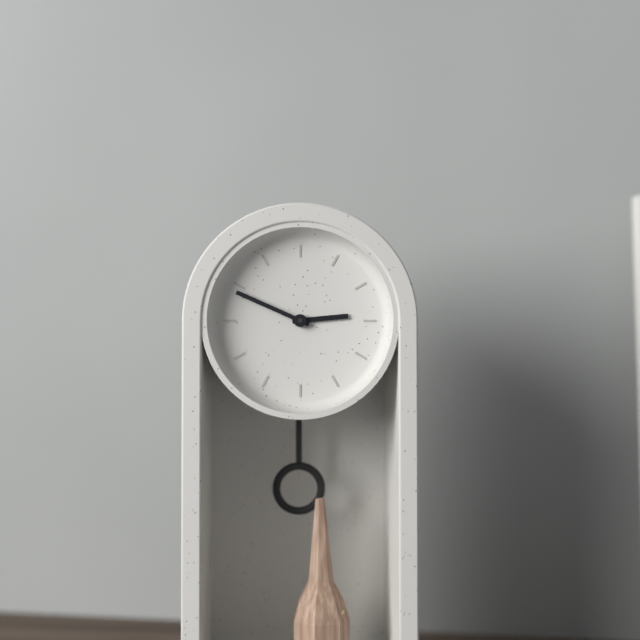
**2:49**
